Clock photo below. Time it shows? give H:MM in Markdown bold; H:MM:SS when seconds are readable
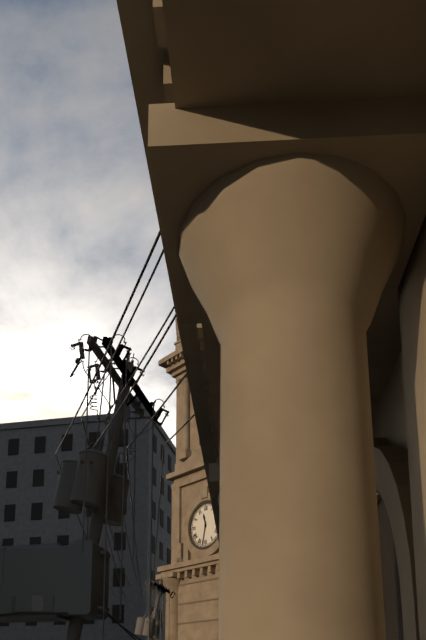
**11:32**
